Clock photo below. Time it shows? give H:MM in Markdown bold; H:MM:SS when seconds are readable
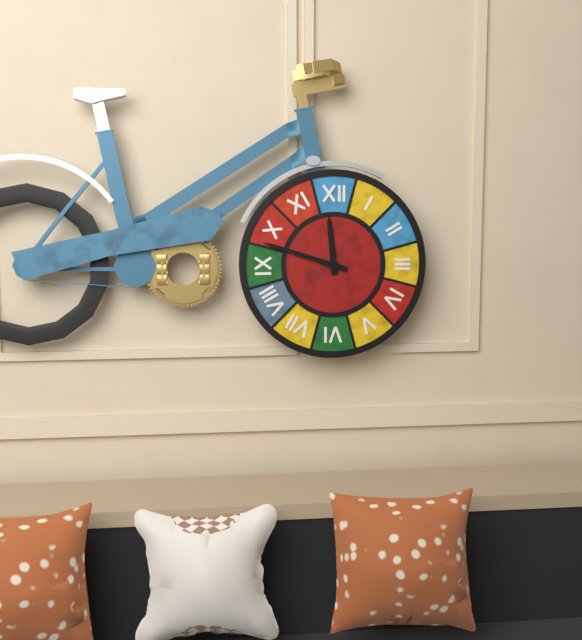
**11:48**
